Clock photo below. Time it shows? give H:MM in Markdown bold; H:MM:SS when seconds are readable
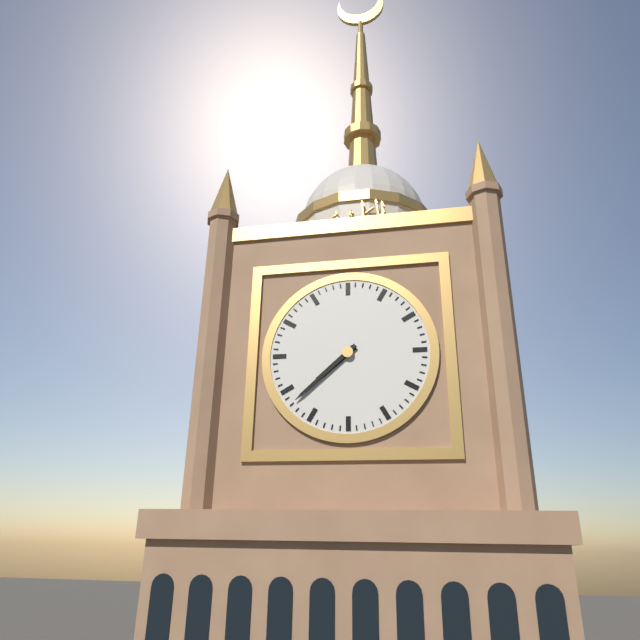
**7:38**
